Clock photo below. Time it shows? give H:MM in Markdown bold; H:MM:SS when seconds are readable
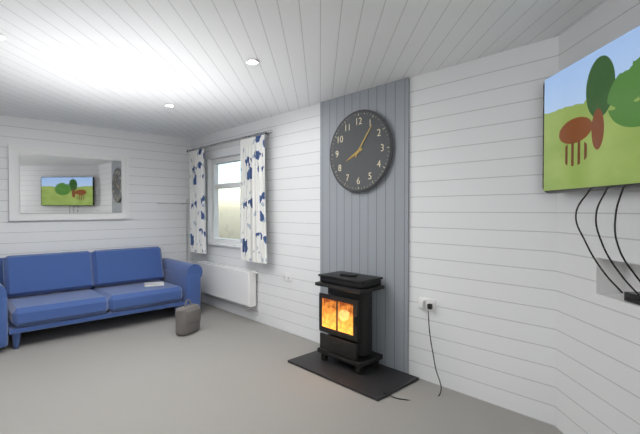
**8:06**
